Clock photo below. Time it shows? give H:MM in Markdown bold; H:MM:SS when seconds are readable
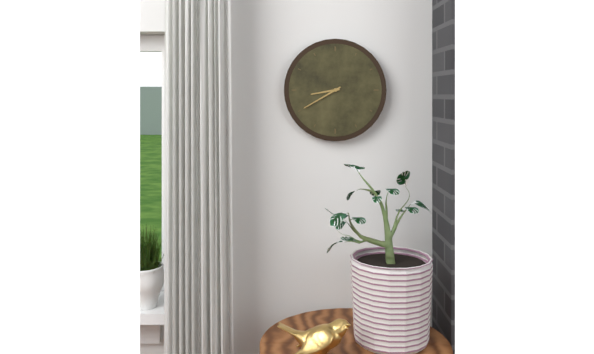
**8:40**
